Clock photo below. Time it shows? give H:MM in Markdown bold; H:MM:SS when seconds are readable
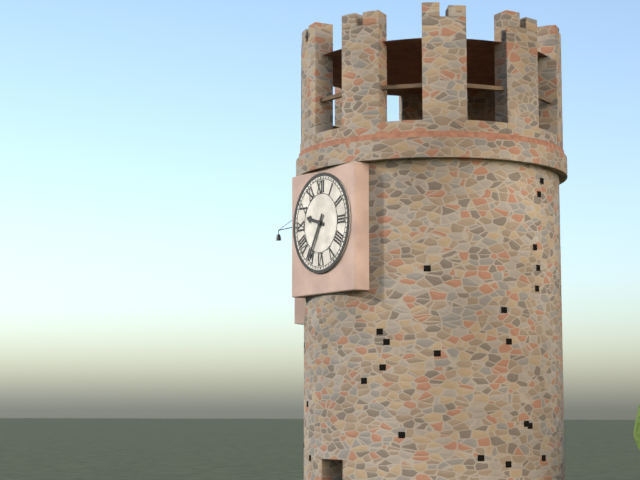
**9:35**
